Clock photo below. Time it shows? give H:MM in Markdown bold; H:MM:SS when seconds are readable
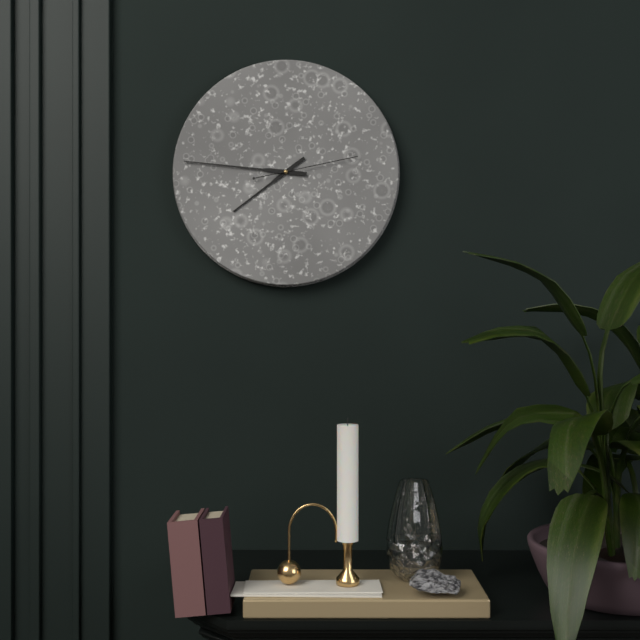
**7:46:13**
